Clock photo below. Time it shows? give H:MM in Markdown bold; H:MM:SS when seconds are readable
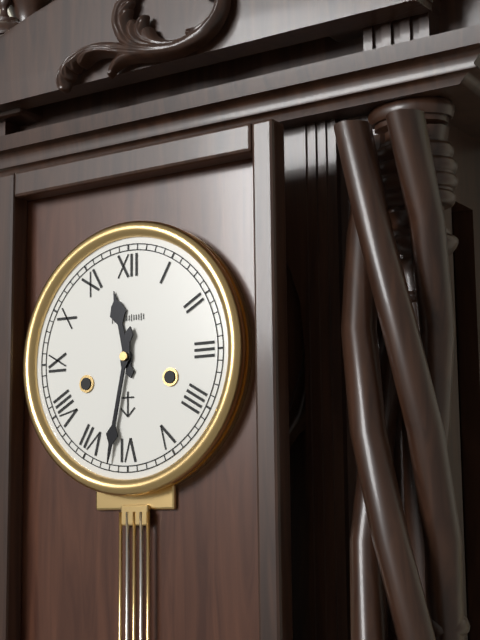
**11:32**
